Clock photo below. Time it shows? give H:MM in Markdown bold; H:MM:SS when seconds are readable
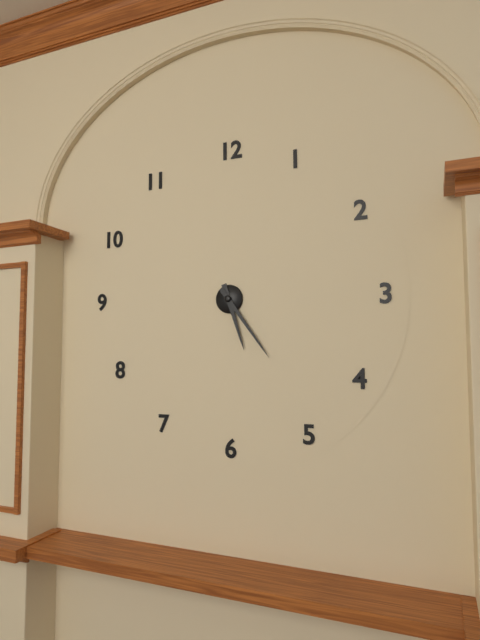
**5:24**
